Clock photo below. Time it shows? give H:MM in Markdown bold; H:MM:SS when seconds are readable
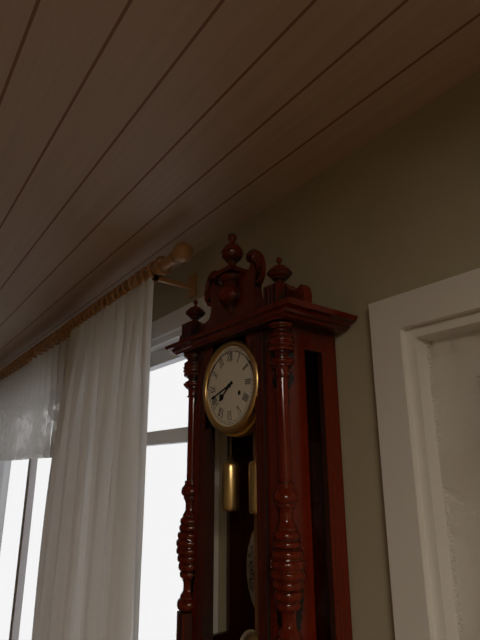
**7:42**
